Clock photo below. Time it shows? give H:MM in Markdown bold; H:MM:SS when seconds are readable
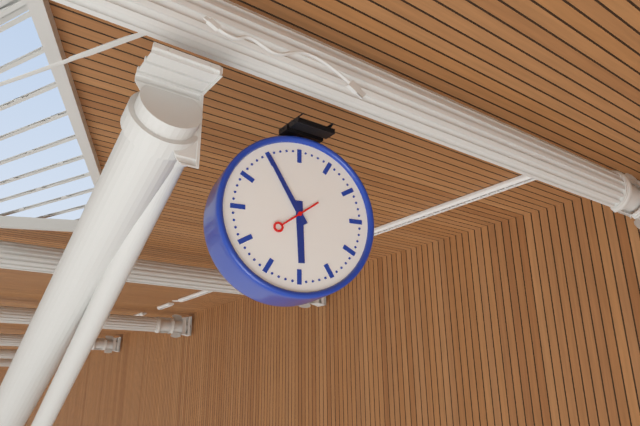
**5:55**
